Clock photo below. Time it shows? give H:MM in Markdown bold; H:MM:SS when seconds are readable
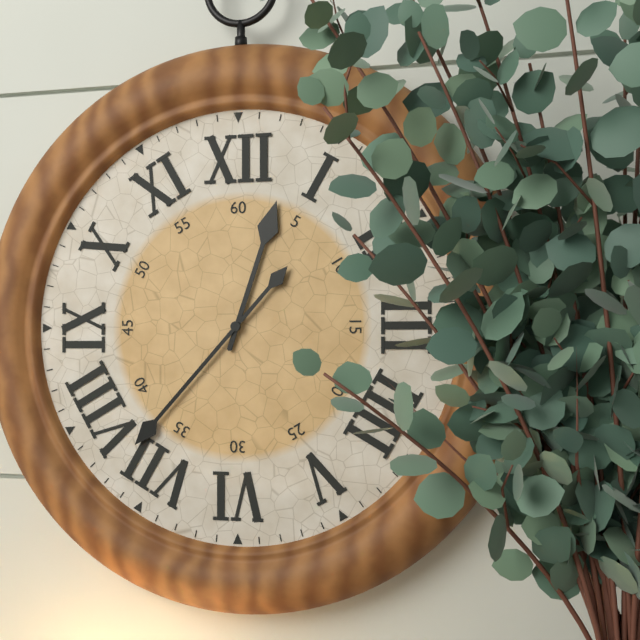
**12:37**
